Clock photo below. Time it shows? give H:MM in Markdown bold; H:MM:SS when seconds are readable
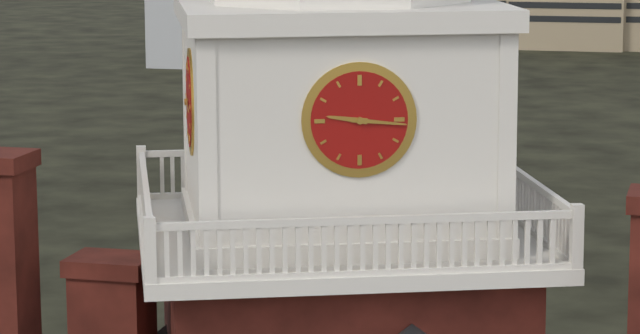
**9:16**
